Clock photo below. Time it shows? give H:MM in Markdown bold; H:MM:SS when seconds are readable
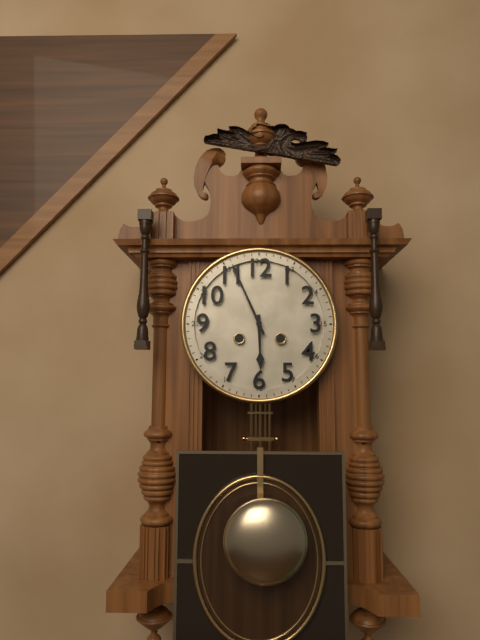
**5:56**
